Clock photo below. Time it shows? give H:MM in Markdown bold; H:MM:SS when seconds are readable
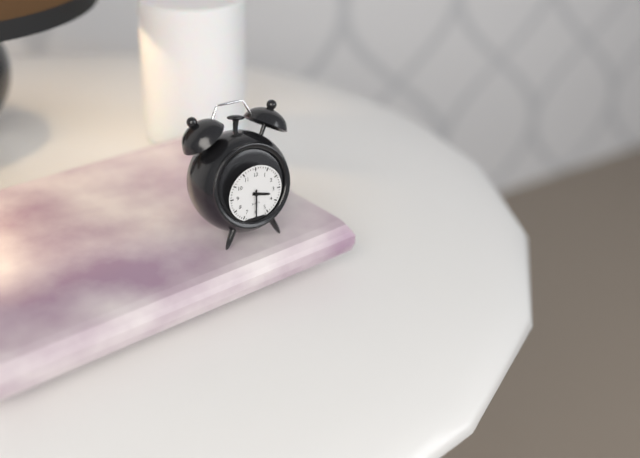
**3:30**
